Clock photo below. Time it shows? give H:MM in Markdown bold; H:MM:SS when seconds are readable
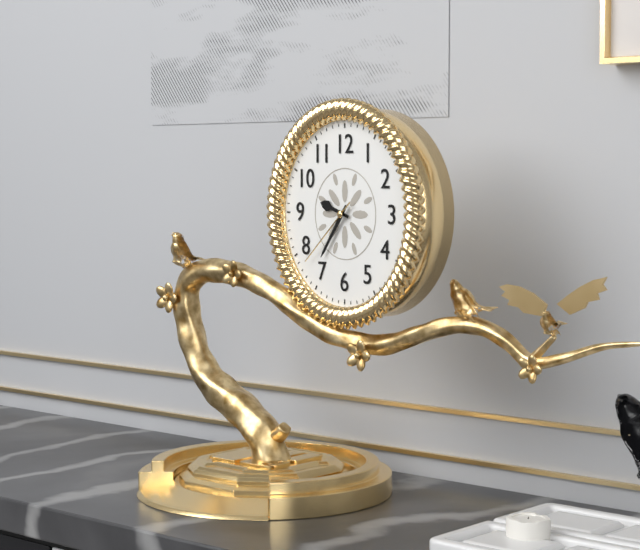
**9:36:38**
